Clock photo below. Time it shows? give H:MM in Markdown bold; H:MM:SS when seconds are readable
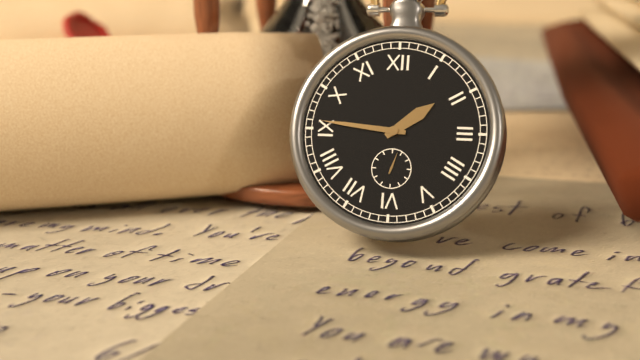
**1:46**
